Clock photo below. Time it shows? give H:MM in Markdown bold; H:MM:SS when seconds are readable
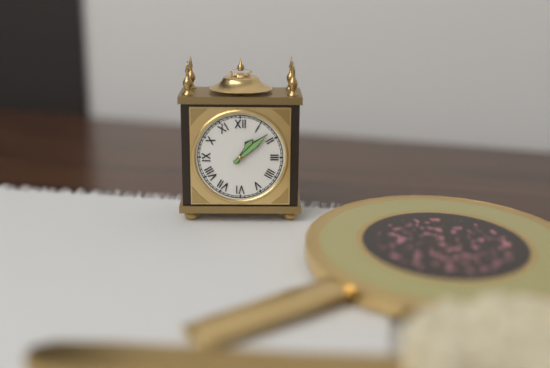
**1:08**
